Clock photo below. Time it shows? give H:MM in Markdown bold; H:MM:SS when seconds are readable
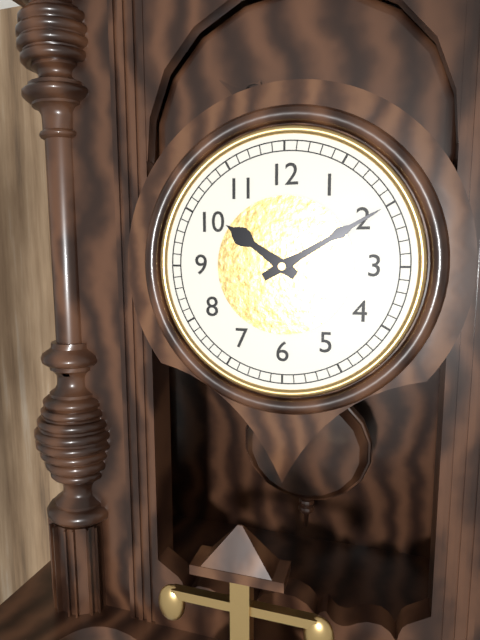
**10:10**
